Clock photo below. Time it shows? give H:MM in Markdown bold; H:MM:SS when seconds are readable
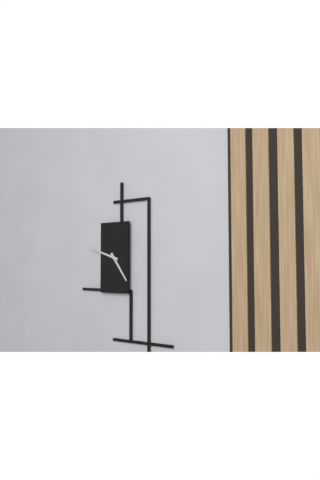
**4:48**
